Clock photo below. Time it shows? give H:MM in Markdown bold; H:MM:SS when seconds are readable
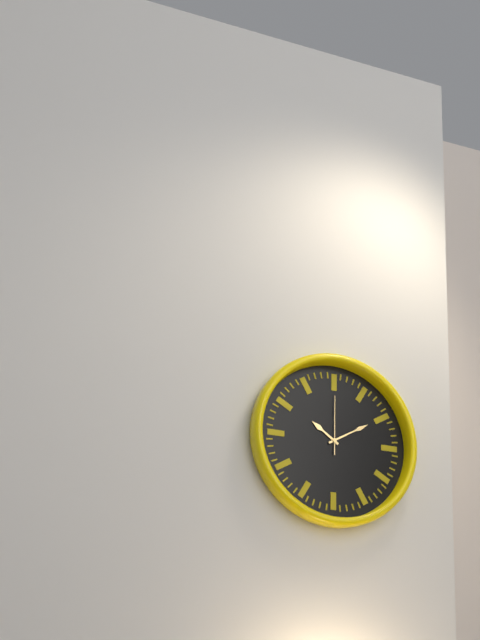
**10:10:00**
